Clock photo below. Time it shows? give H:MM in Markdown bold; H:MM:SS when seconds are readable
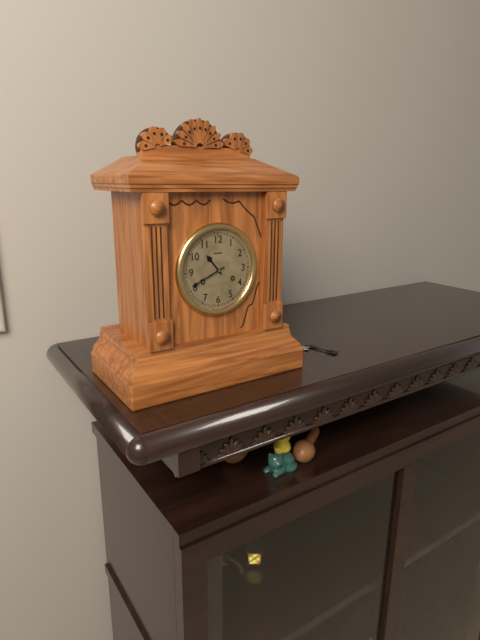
**10:41**
